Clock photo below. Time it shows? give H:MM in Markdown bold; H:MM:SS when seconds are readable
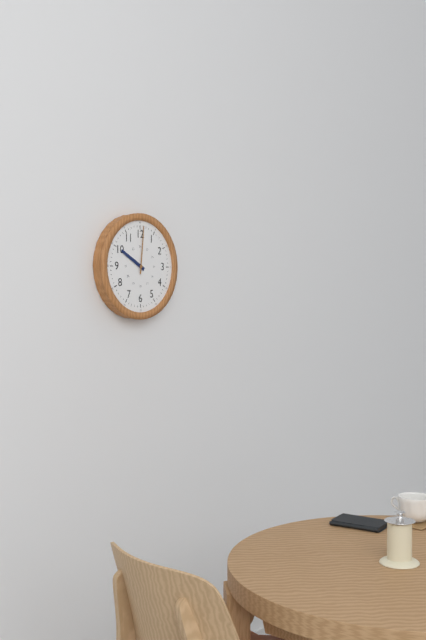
**10:01**
